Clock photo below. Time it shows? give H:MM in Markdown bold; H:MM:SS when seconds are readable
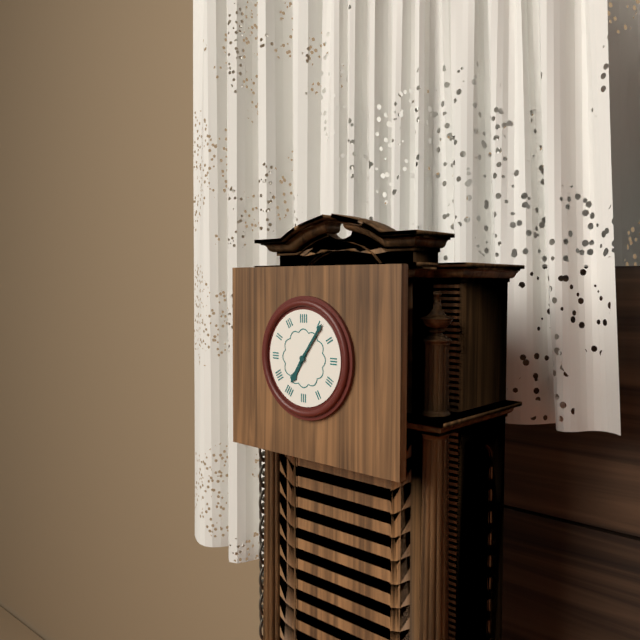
**7:06**
